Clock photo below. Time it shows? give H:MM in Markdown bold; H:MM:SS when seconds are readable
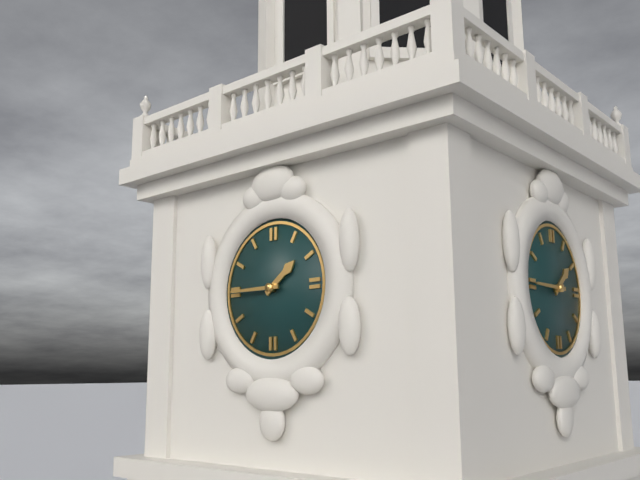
**1:45**
